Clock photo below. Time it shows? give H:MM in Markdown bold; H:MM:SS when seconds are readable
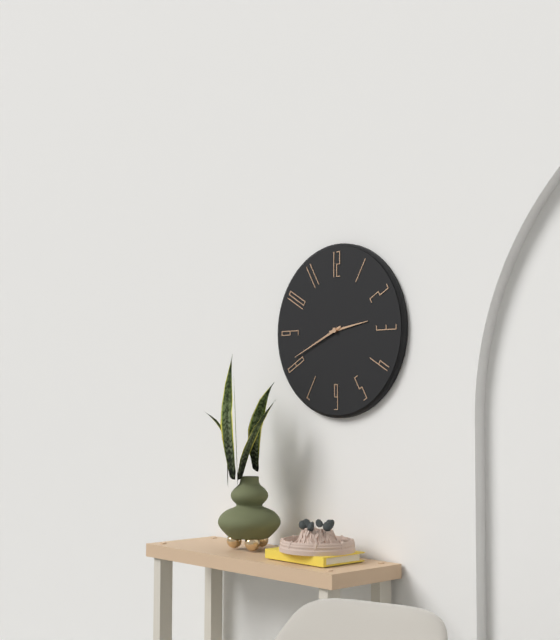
**2:41**
